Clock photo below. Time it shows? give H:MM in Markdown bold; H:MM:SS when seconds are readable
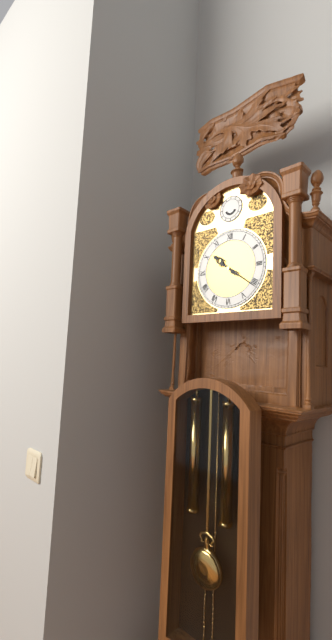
**10:21**
